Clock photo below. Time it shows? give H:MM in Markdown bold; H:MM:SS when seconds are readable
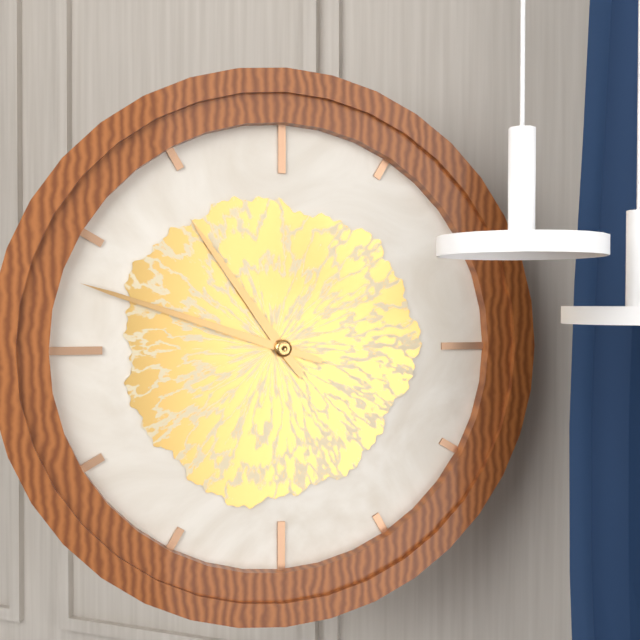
**10:48**
